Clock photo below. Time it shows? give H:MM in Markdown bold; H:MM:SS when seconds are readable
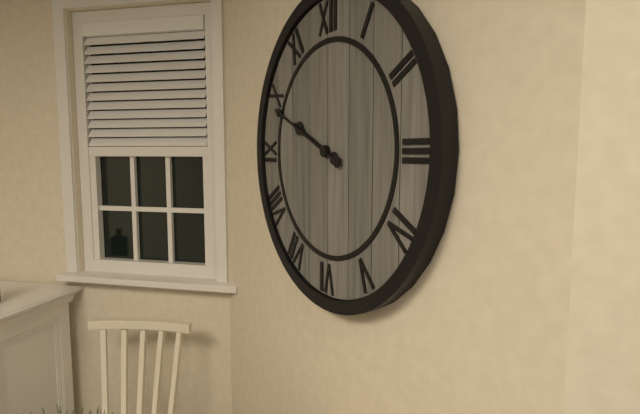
**9:49**
